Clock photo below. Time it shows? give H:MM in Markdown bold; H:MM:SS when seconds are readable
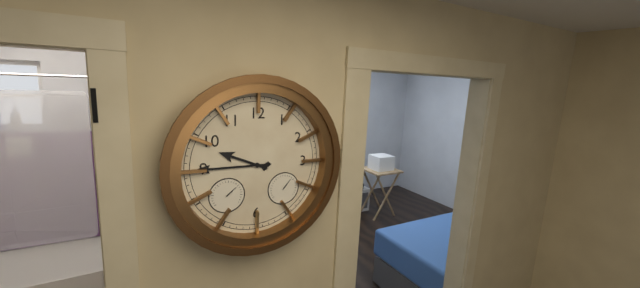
**9:45**
